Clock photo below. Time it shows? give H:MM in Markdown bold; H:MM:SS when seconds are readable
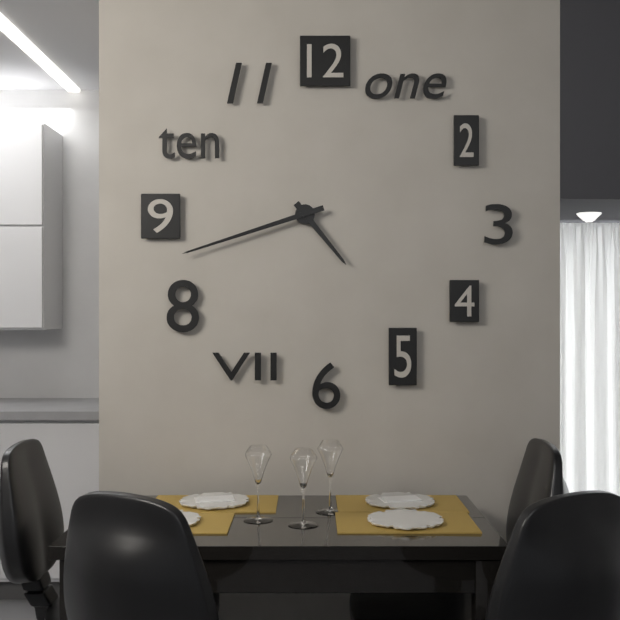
**4:42**
